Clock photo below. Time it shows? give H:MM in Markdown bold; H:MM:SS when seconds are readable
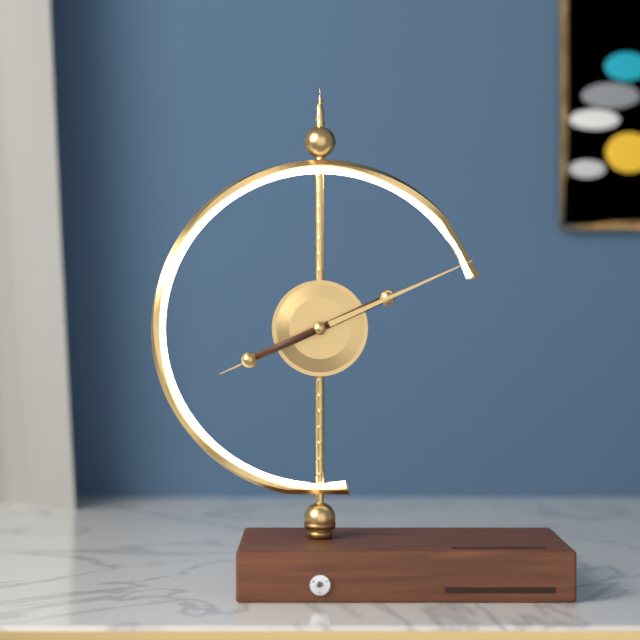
**8:11**
